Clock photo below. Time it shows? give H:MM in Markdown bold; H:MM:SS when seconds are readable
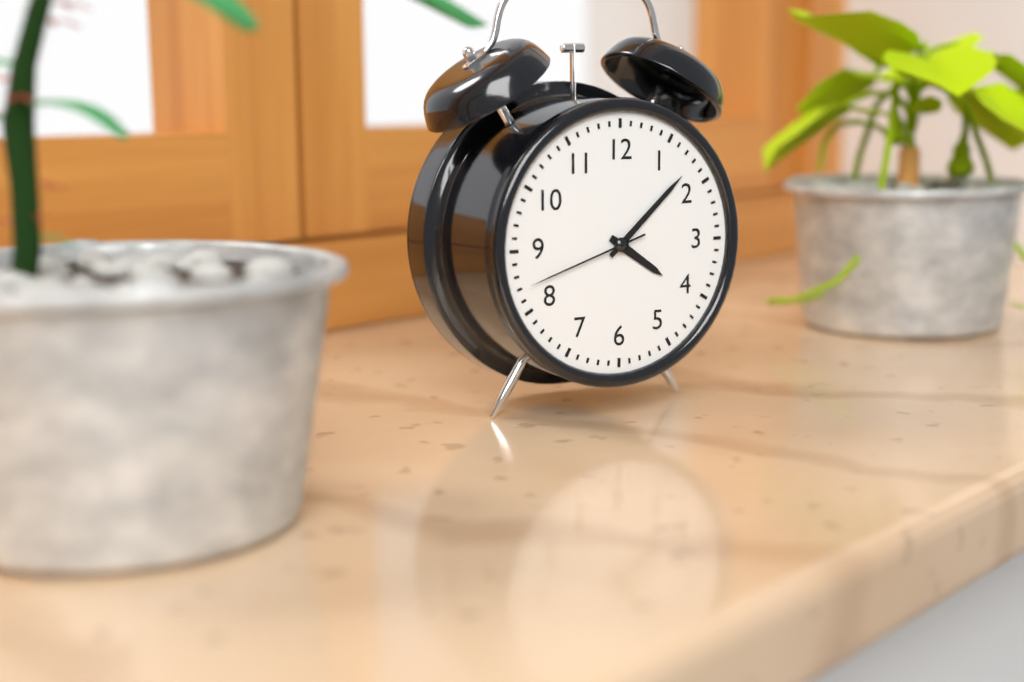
**4:08:42**
